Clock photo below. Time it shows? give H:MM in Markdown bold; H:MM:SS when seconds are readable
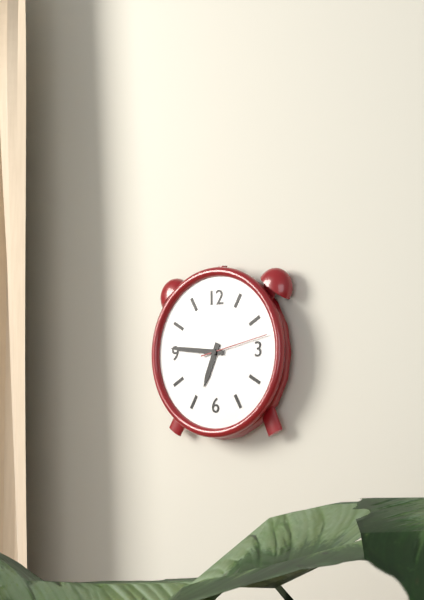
**6:46:13**
